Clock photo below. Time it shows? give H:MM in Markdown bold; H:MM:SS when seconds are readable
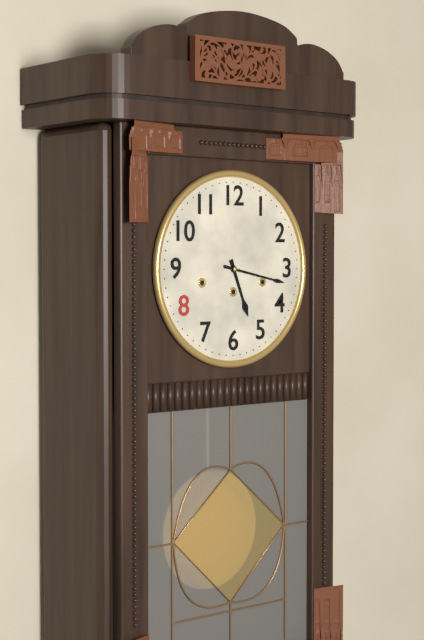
**5:17**
